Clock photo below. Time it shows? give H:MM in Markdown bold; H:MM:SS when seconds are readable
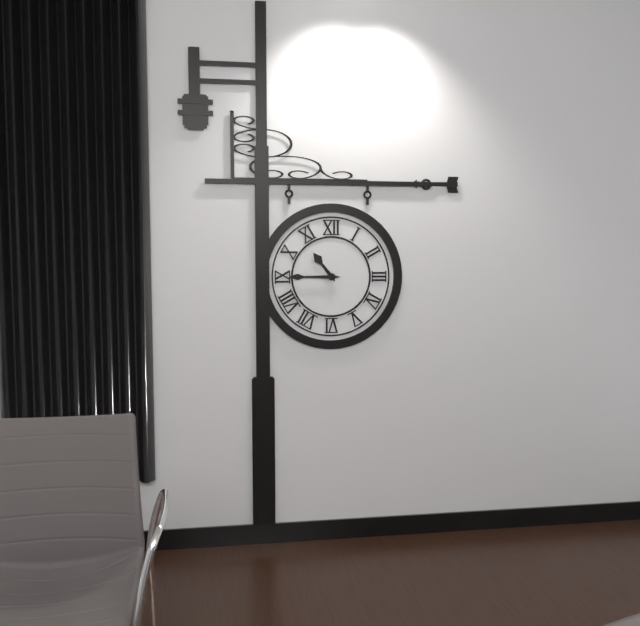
**10:45**
